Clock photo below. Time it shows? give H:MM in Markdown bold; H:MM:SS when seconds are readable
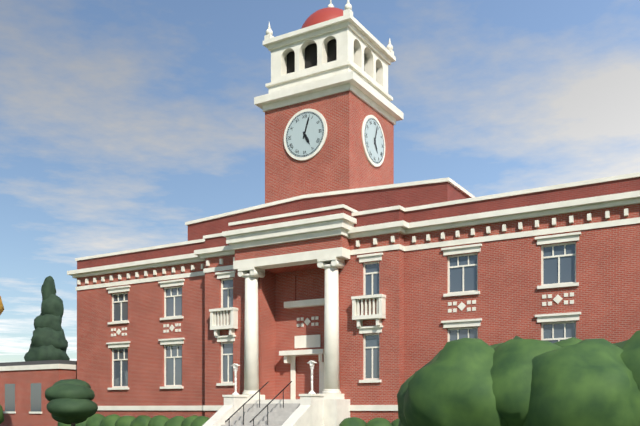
**5:03**
